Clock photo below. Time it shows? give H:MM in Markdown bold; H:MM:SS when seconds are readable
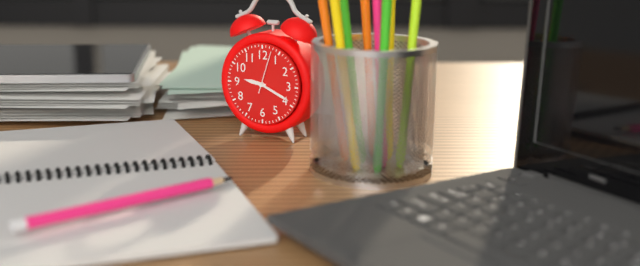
**9:19**
